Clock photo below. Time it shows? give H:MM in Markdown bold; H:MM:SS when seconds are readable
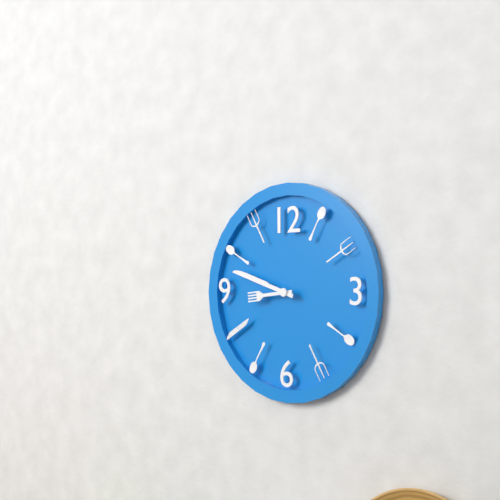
**8:48**
